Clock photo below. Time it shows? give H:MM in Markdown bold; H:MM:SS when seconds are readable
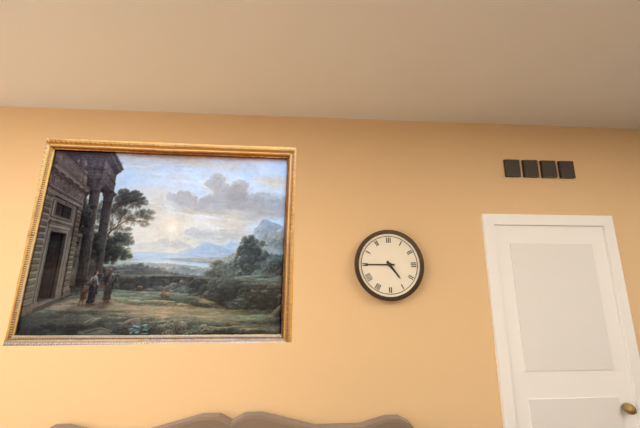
**4:45**
